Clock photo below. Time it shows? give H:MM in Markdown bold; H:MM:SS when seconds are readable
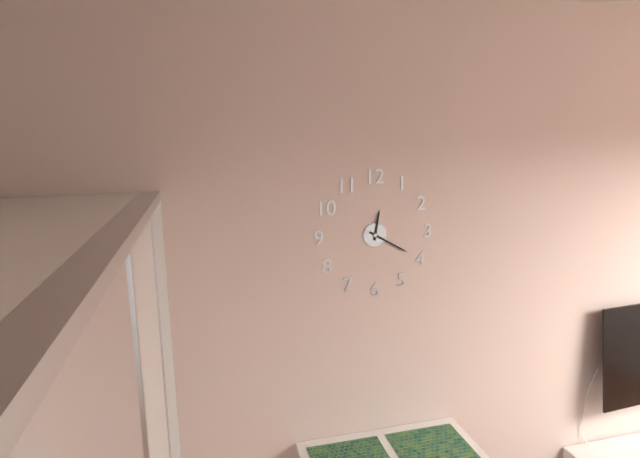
**12:20**
